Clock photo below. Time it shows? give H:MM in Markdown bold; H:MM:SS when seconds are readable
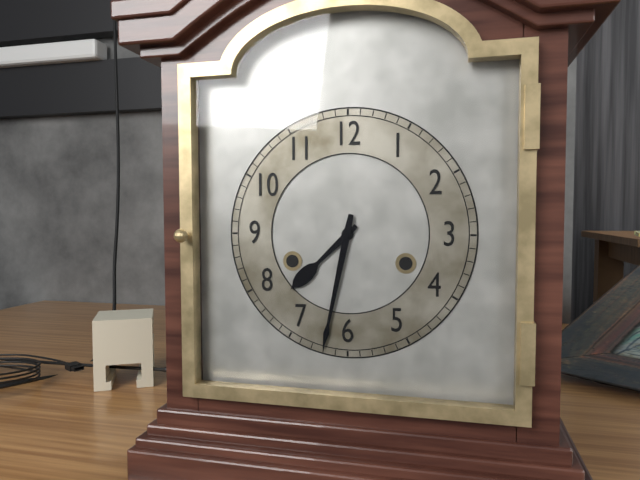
**7:32**
